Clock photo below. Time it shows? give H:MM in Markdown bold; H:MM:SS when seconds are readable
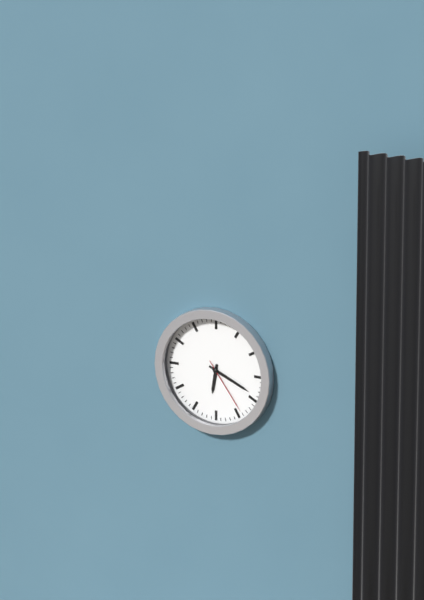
**6:19:24**
